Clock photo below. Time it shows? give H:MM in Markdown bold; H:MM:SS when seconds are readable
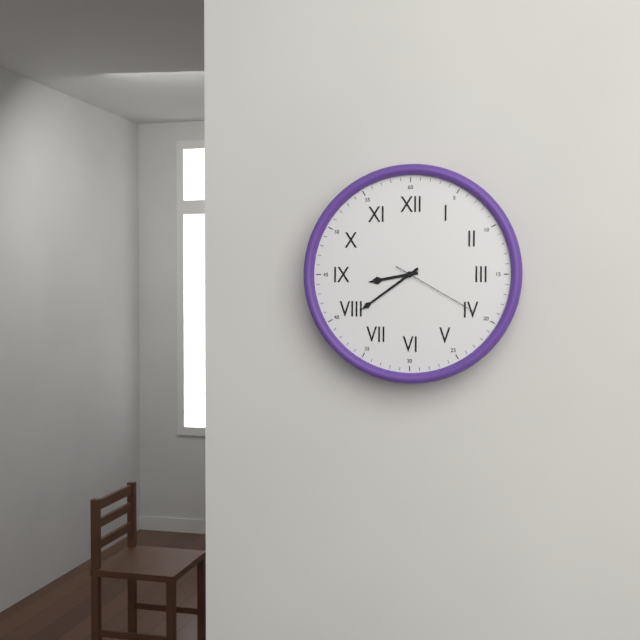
**8:39:20**
